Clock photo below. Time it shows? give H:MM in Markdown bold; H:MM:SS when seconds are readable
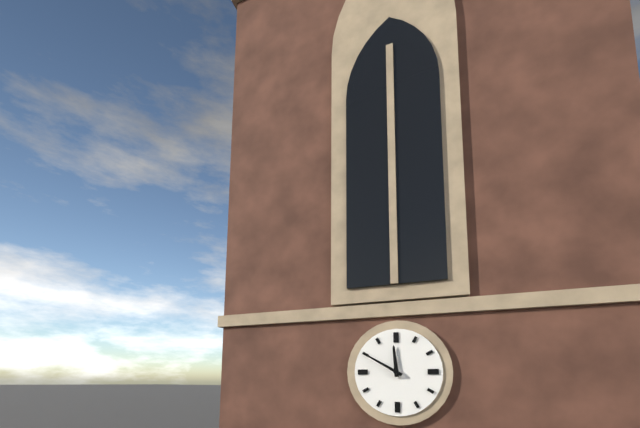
**11:50**
